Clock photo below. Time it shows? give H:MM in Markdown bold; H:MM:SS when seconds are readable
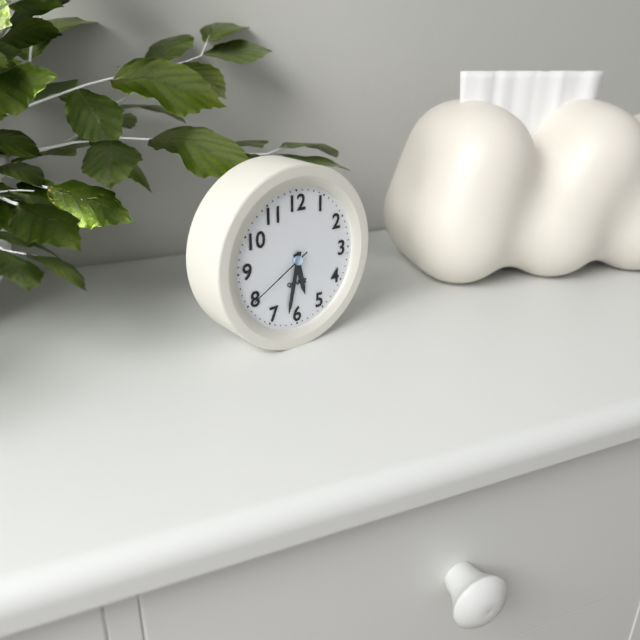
**5:32:40**
